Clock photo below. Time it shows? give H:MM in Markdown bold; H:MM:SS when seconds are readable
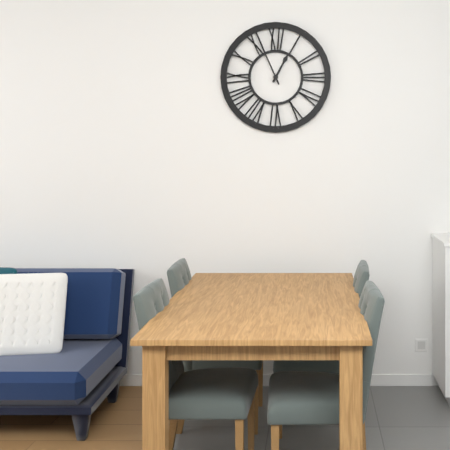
**12:56**
